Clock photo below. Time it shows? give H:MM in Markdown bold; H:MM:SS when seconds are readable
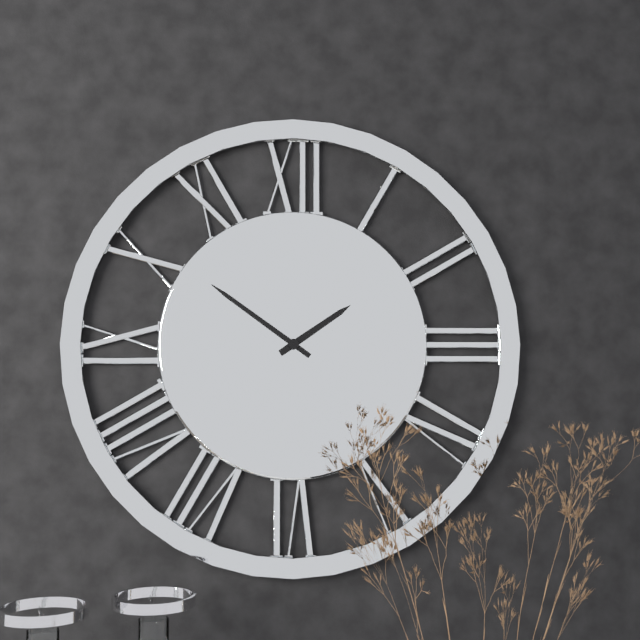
**1:51**
